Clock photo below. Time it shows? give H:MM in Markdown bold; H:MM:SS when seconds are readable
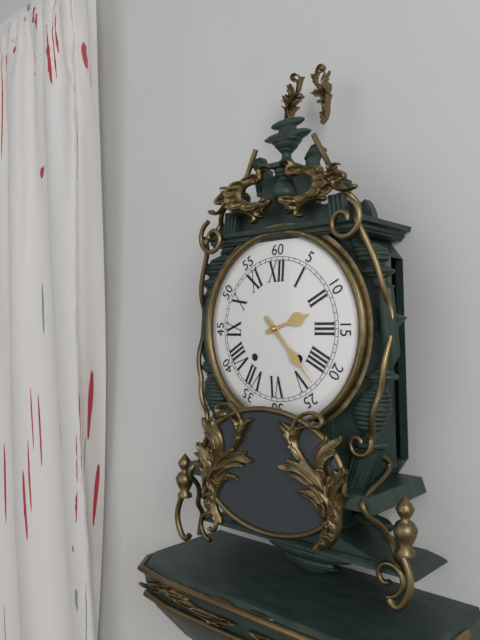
**2:23**
